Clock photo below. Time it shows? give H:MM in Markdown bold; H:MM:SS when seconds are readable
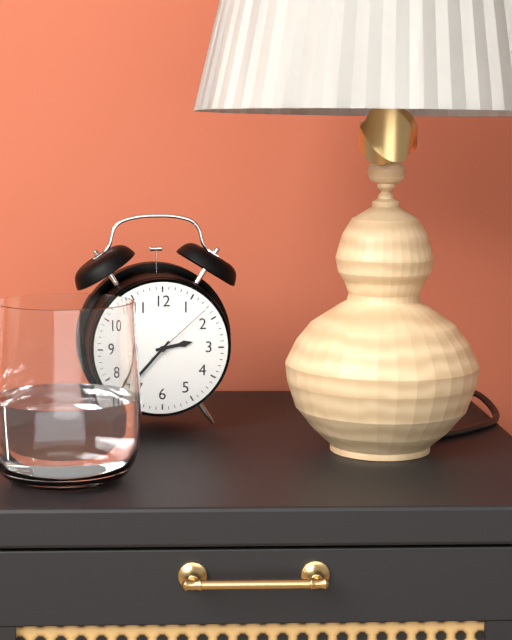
**2:37:08**
